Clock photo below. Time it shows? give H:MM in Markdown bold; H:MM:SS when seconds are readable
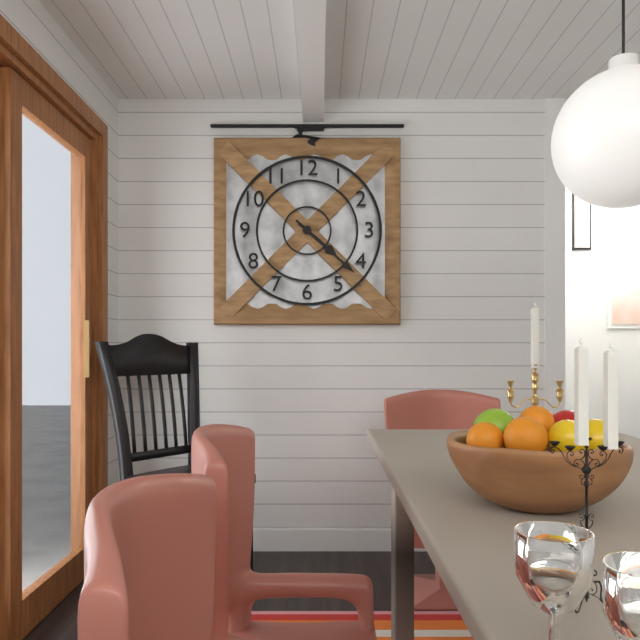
**4:22**
